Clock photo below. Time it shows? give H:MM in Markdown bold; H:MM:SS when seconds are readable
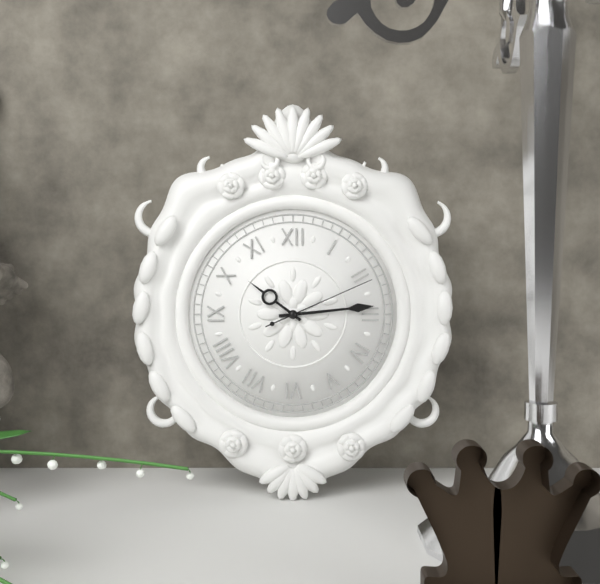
**10:14:11**
